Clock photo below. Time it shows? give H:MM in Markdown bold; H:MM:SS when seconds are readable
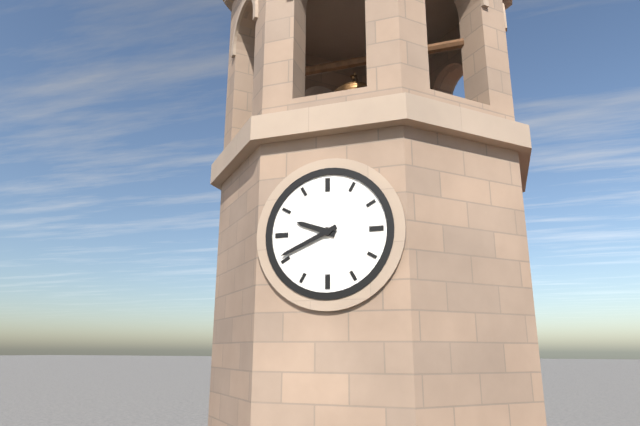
**9:41**
